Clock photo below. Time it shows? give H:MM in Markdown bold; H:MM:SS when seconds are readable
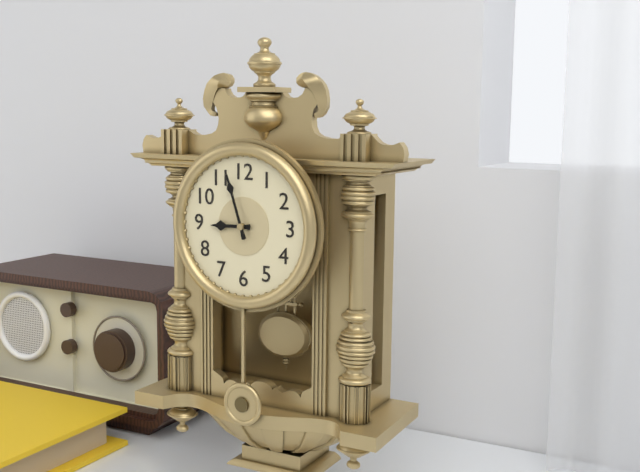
**8:57**
